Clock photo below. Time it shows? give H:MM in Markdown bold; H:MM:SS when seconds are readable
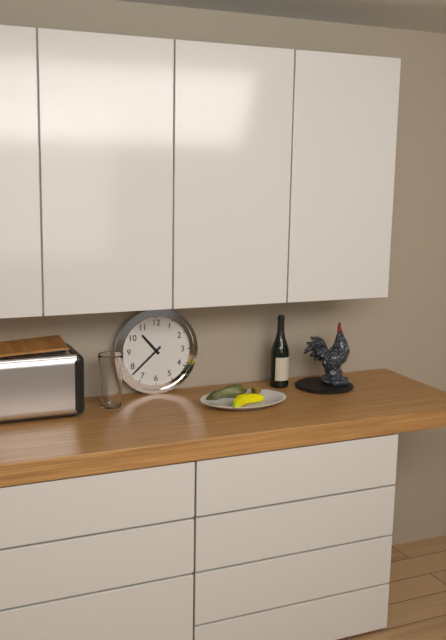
**10:38**
